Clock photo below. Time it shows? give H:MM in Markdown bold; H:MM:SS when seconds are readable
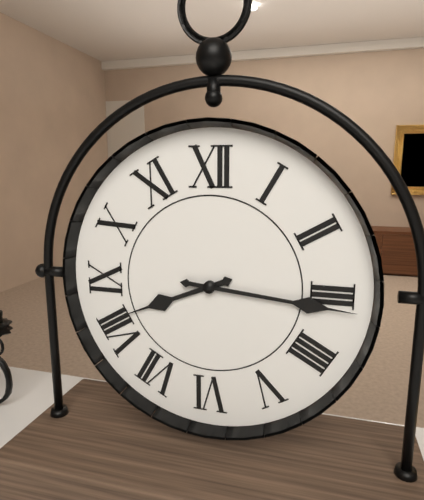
**8:16**
